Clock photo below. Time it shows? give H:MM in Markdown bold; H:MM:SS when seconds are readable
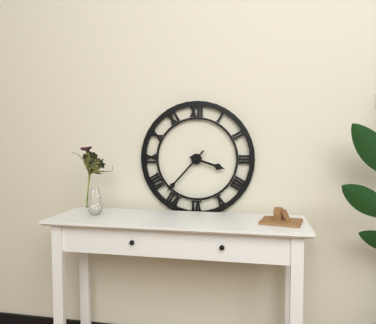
**3:37**
